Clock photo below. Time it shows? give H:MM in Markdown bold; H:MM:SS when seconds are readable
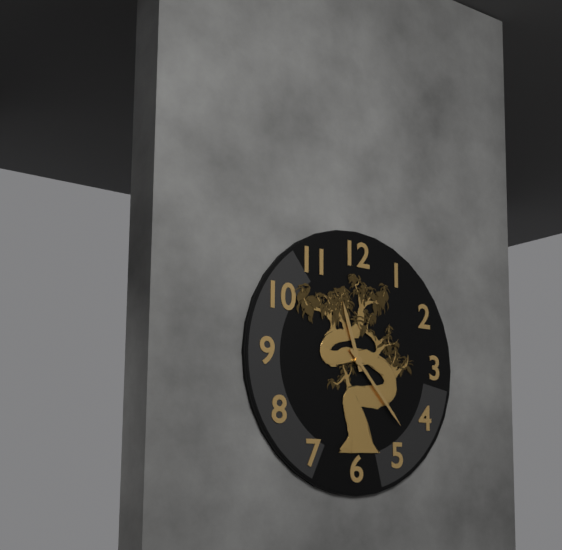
**11:23**
